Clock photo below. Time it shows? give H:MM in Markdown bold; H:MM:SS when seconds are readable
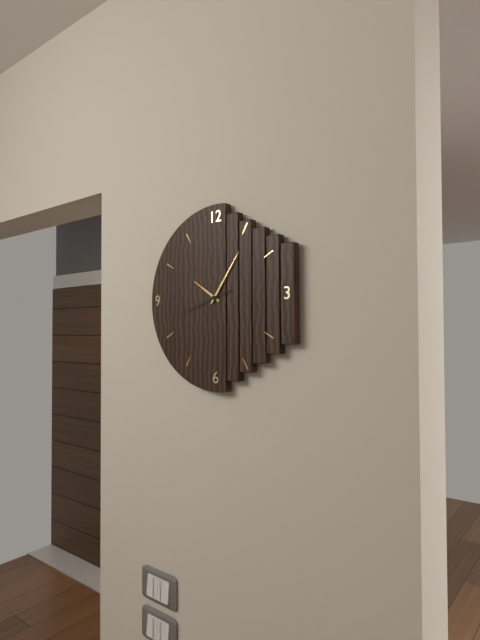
**10:06**
